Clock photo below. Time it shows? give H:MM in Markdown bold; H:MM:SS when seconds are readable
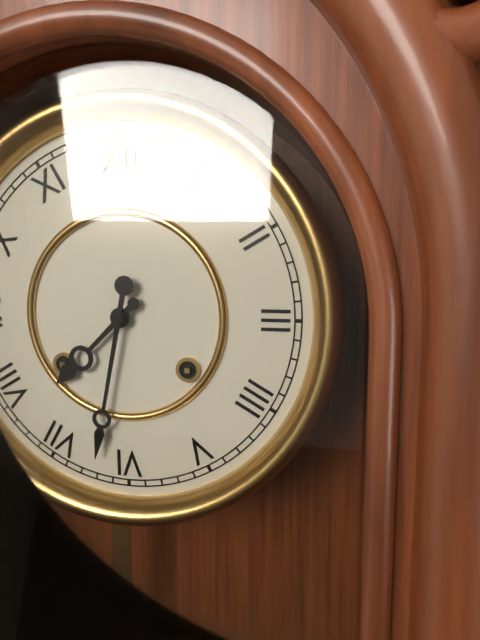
**7:32**
